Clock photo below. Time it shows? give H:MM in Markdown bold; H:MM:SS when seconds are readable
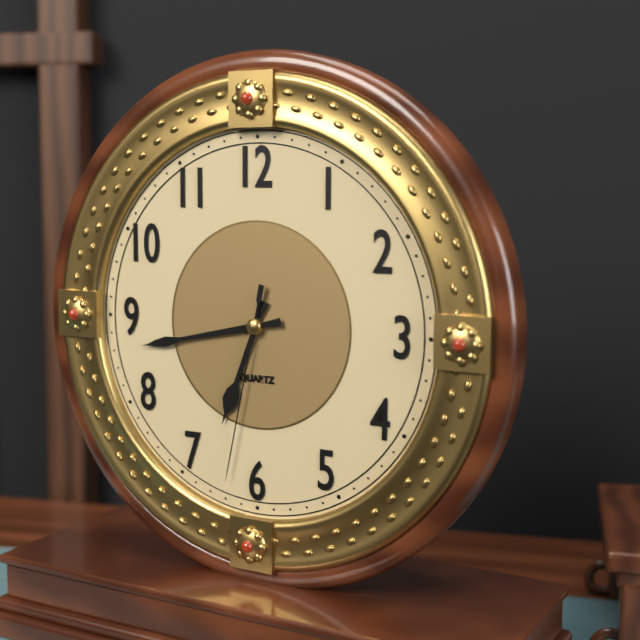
**6:43:32**
